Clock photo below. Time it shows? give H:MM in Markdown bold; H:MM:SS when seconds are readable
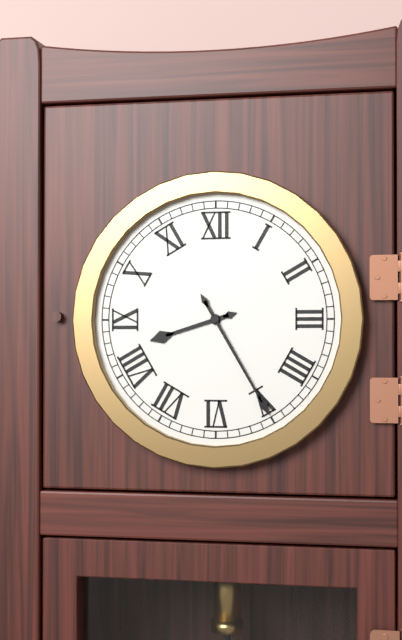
**8:25**
